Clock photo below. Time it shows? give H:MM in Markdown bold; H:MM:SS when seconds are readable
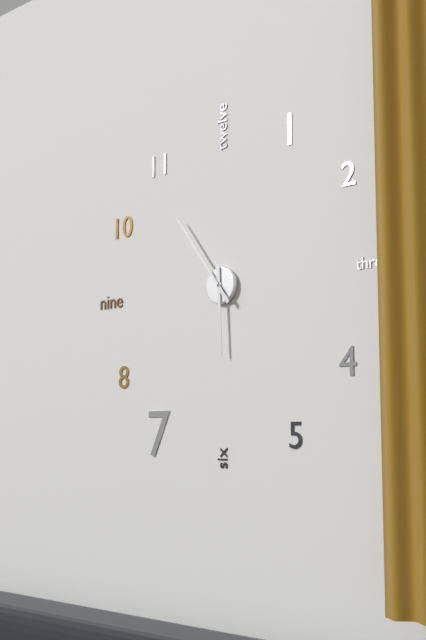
**5:54**
